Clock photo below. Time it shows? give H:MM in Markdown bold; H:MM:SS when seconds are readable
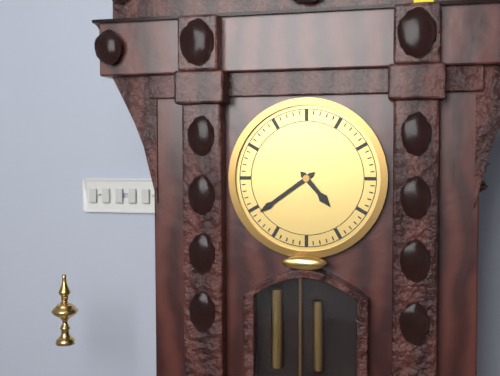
**4:39**
